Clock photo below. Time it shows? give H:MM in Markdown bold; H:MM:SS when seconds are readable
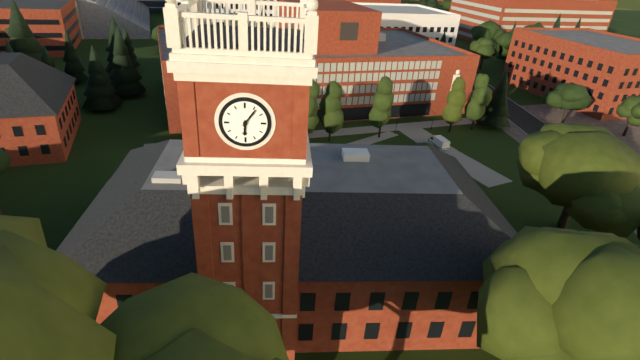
**6:06**
